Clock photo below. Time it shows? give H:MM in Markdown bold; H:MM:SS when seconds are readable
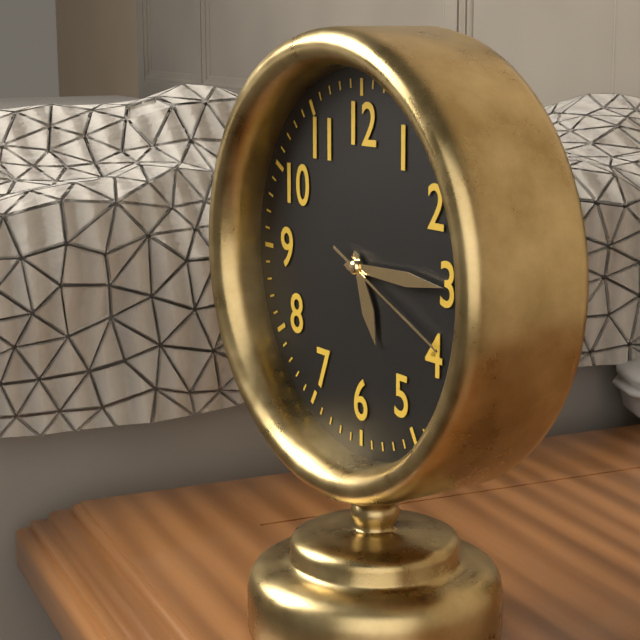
**5:15:19**
